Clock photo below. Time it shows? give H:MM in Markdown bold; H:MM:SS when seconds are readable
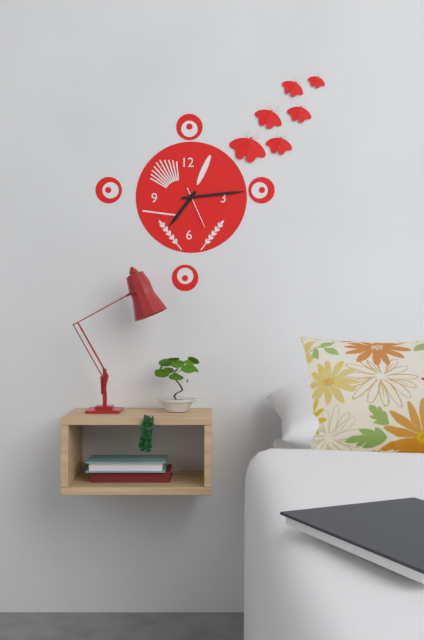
**7:14**
